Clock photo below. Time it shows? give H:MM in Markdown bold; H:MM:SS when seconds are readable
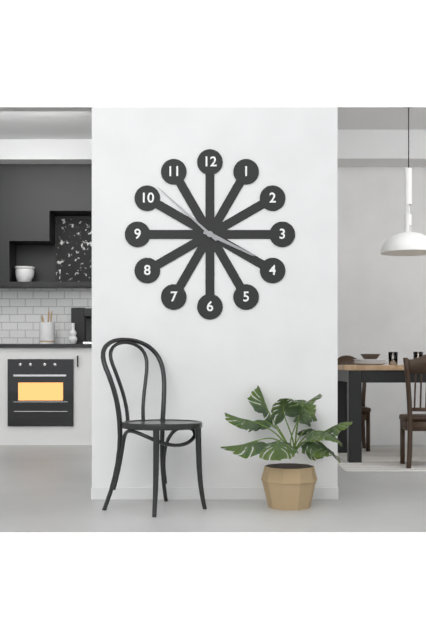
**3:52**
